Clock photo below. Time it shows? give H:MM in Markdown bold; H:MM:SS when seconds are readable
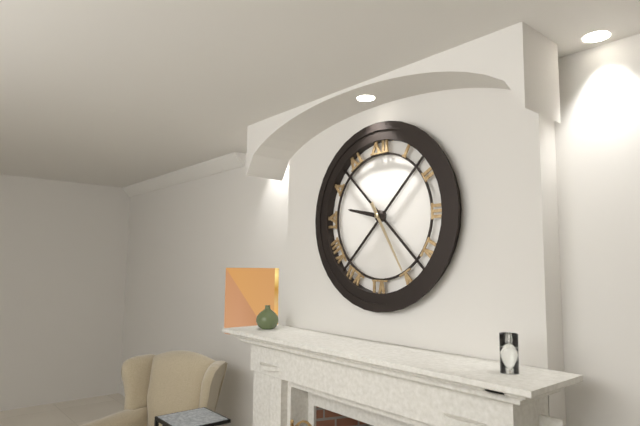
**9:25**
